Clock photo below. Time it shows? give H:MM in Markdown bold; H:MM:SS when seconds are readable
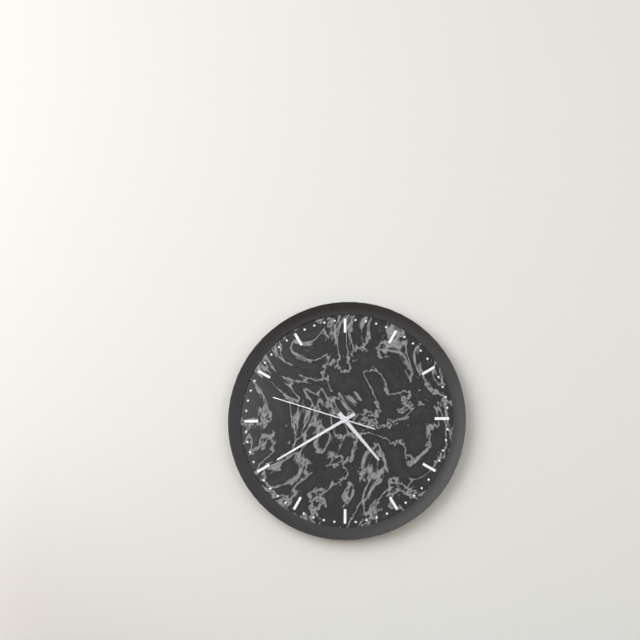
**4:40:48**
